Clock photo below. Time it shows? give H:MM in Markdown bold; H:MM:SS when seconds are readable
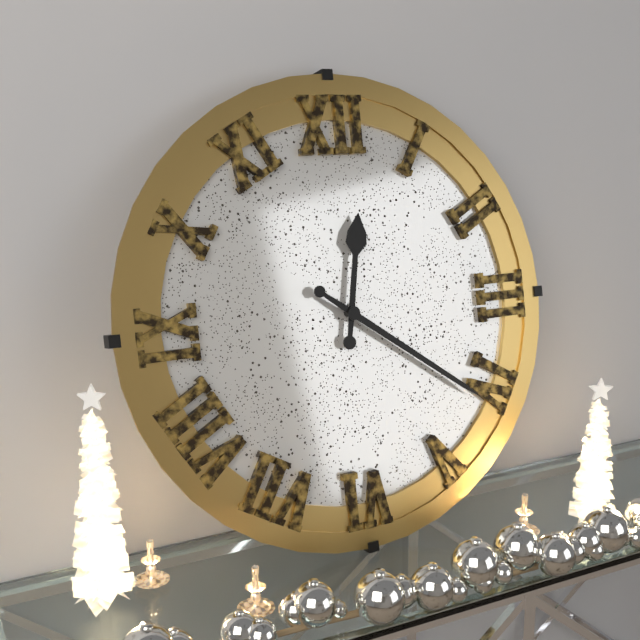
**12:21**
